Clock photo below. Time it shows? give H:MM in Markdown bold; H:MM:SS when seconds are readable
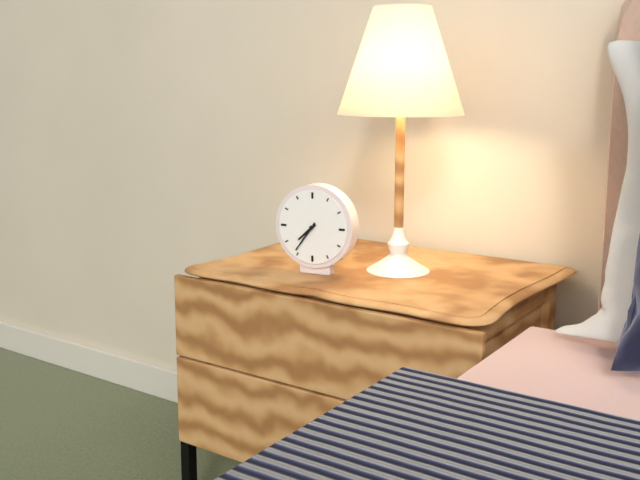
**7:36**
